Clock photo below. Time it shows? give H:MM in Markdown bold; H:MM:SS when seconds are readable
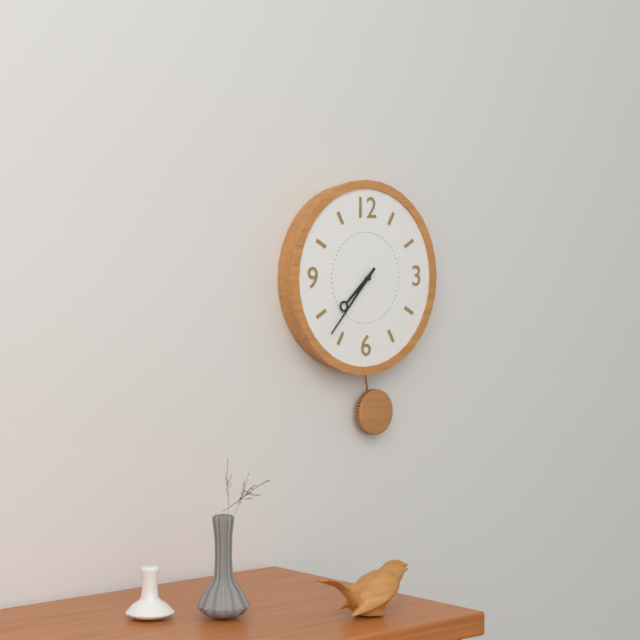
**7:37**
